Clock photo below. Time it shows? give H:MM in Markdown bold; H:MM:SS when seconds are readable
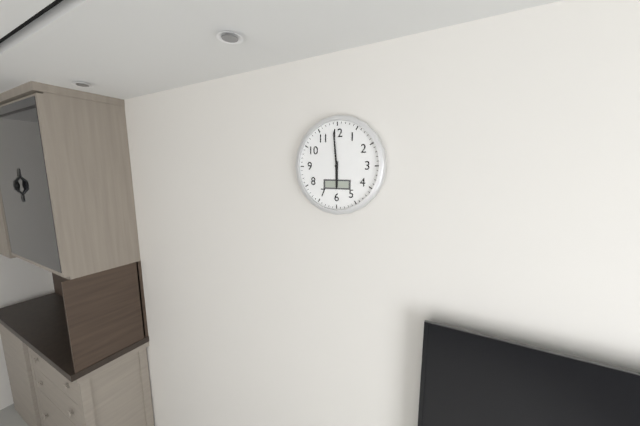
**5:59**
